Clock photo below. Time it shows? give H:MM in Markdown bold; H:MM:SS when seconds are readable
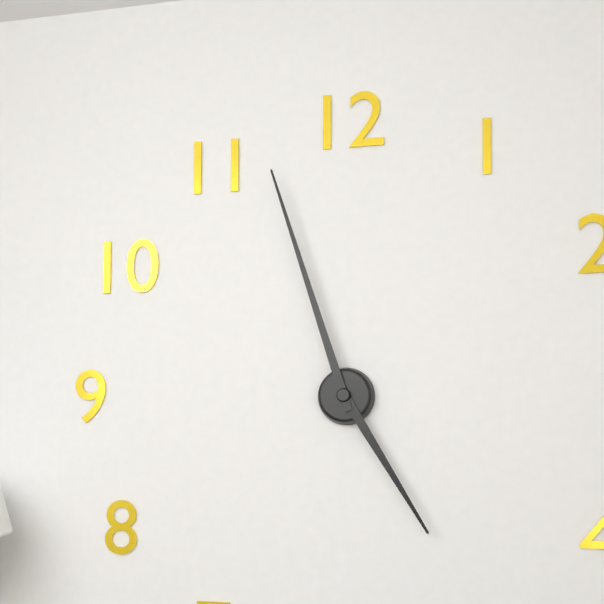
**4:57**
